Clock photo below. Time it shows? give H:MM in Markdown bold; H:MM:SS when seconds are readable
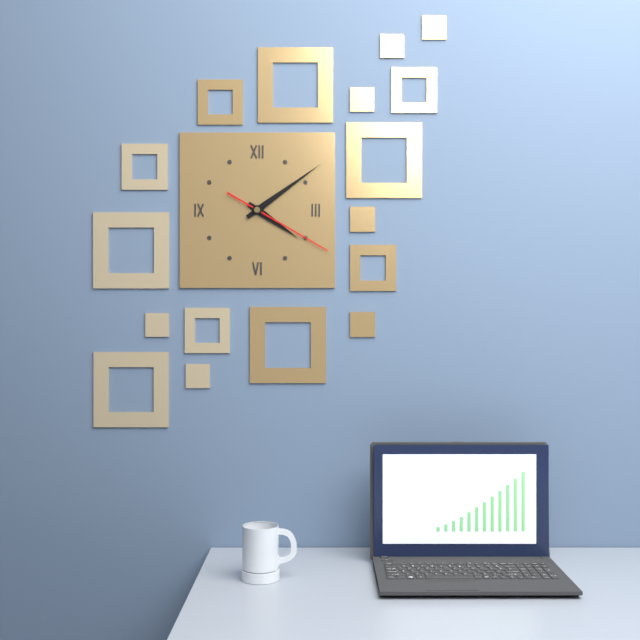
**4:09:20**
